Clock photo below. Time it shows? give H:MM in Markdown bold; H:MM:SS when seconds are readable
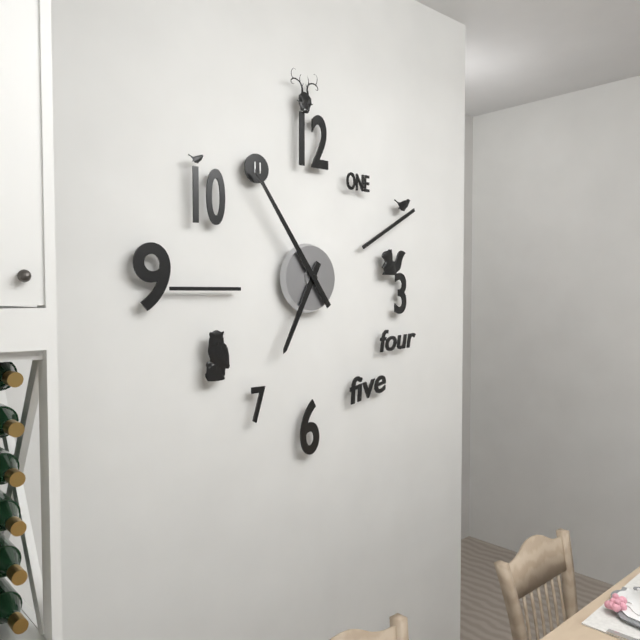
**6:54**
